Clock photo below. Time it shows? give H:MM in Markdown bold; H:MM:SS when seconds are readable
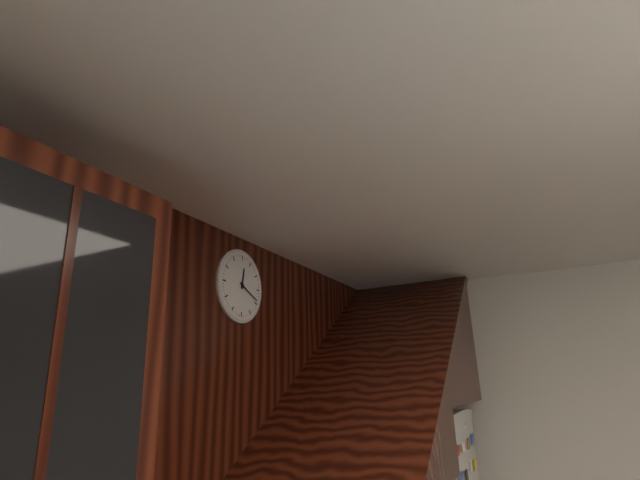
**12:19**
